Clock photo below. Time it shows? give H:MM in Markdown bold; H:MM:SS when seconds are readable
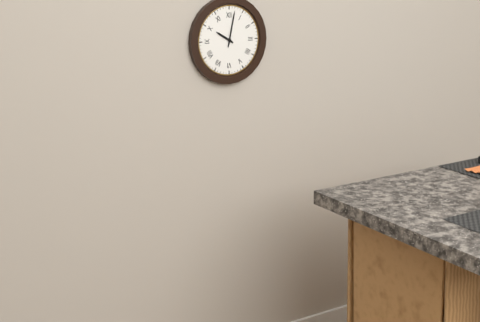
**10:02**
